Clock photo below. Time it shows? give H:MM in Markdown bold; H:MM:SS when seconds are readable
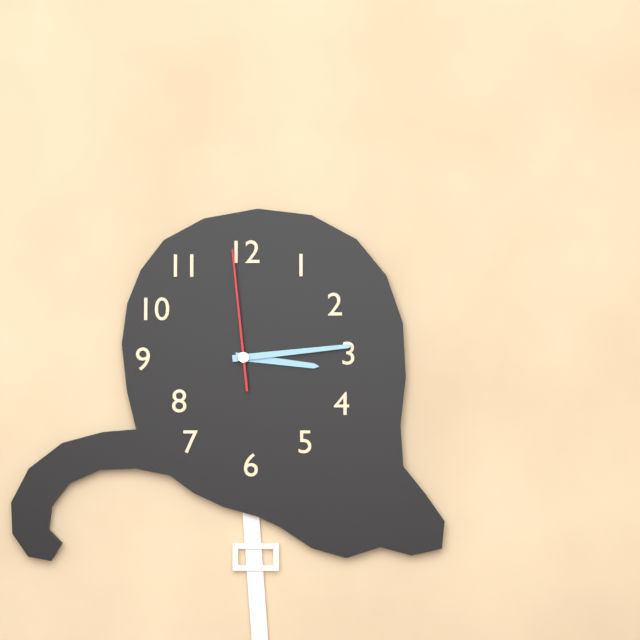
**3:14:59**
